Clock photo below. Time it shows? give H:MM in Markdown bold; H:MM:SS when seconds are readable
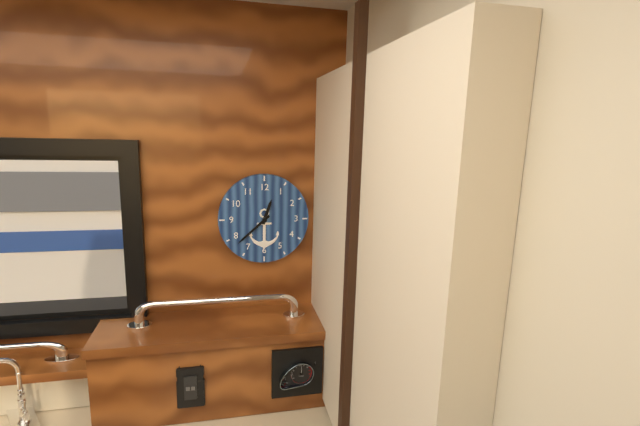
**12:38**
